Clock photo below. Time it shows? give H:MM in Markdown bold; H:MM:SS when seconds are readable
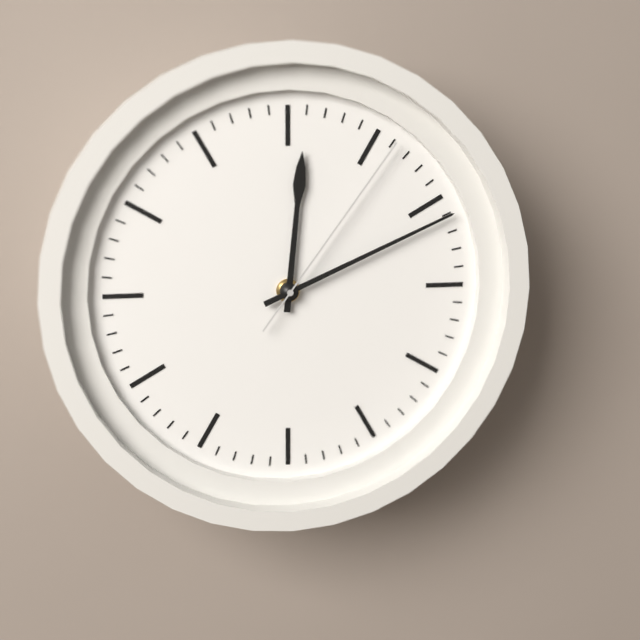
**12:11:06**
